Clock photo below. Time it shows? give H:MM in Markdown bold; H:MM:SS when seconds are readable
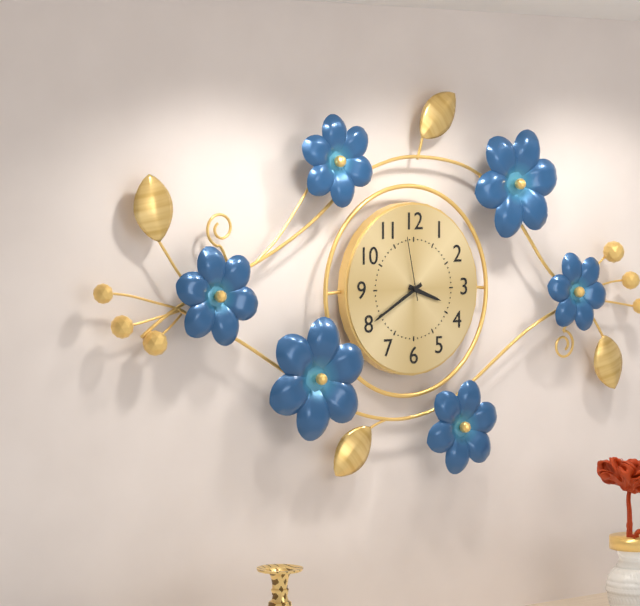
**3:40:58**
